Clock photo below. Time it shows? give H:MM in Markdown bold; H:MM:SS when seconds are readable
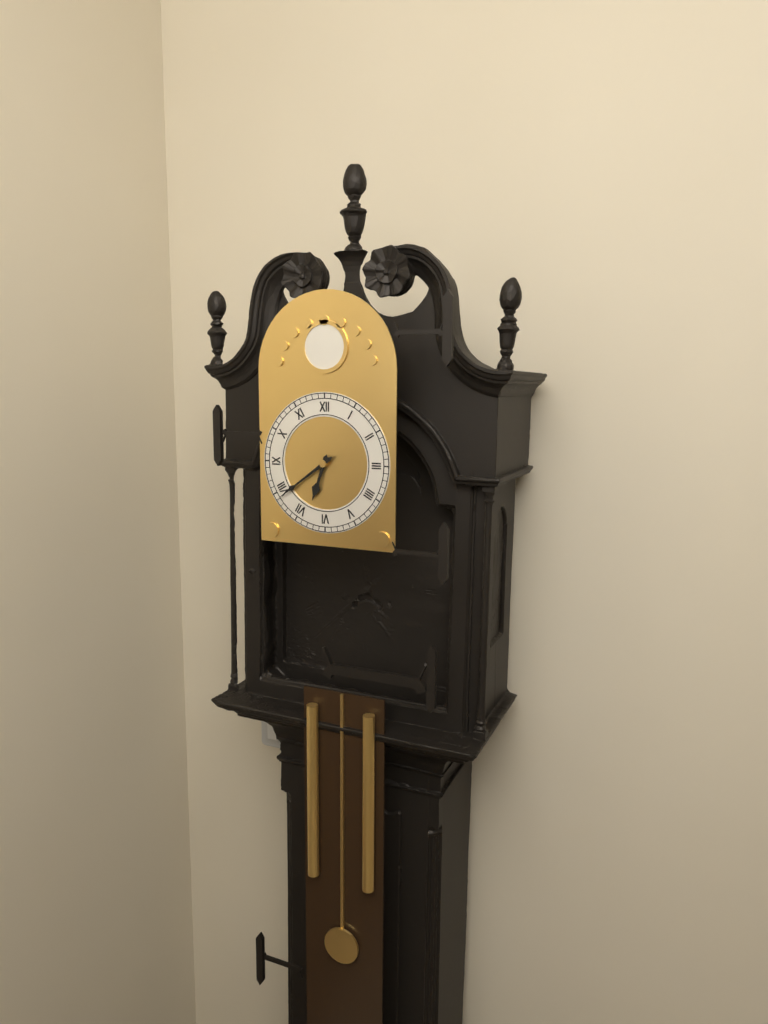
**6:39**
